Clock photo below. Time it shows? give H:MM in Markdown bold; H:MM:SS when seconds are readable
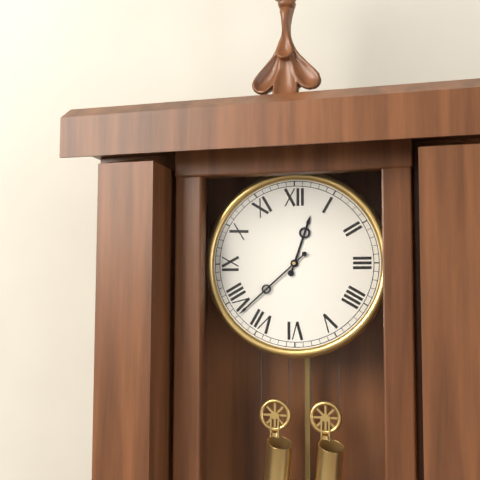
**12:38**
